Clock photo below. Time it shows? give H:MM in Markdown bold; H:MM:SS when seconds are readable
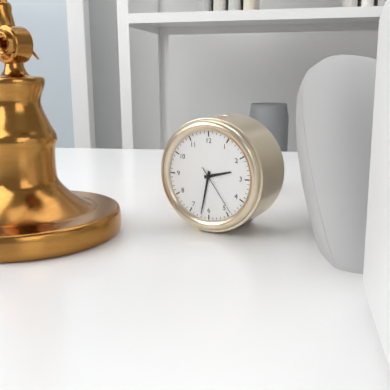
**2:32:24**
